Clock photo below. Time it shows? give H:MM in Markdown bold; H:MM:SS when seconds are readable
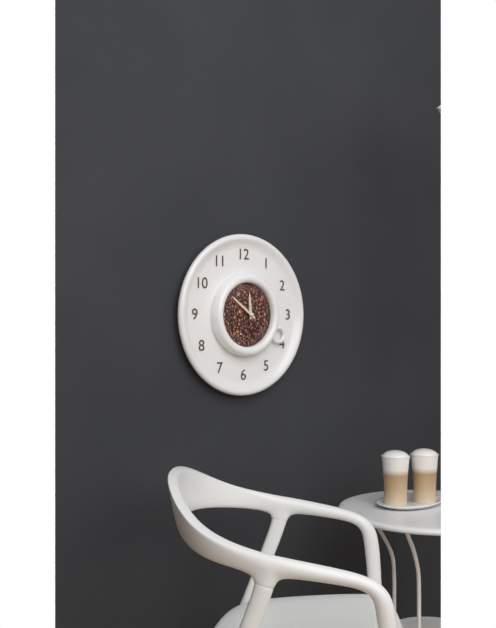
**11:51**
